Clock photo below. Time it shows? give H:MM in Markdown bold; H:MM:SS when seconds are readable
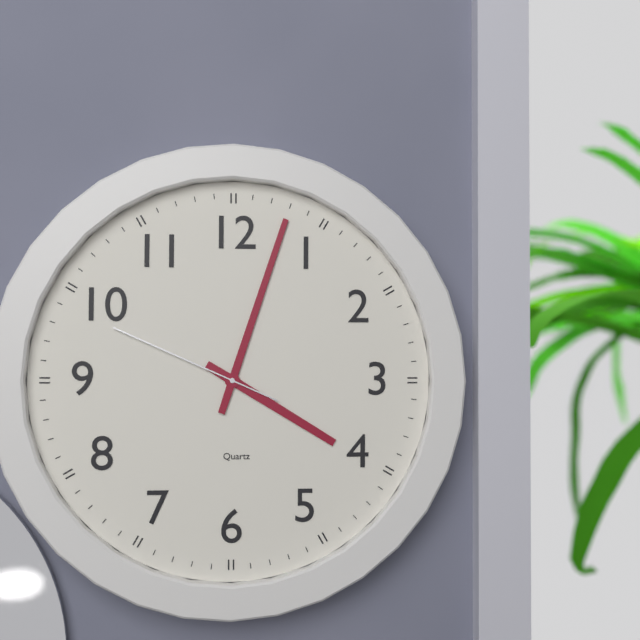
**4:03:49**
